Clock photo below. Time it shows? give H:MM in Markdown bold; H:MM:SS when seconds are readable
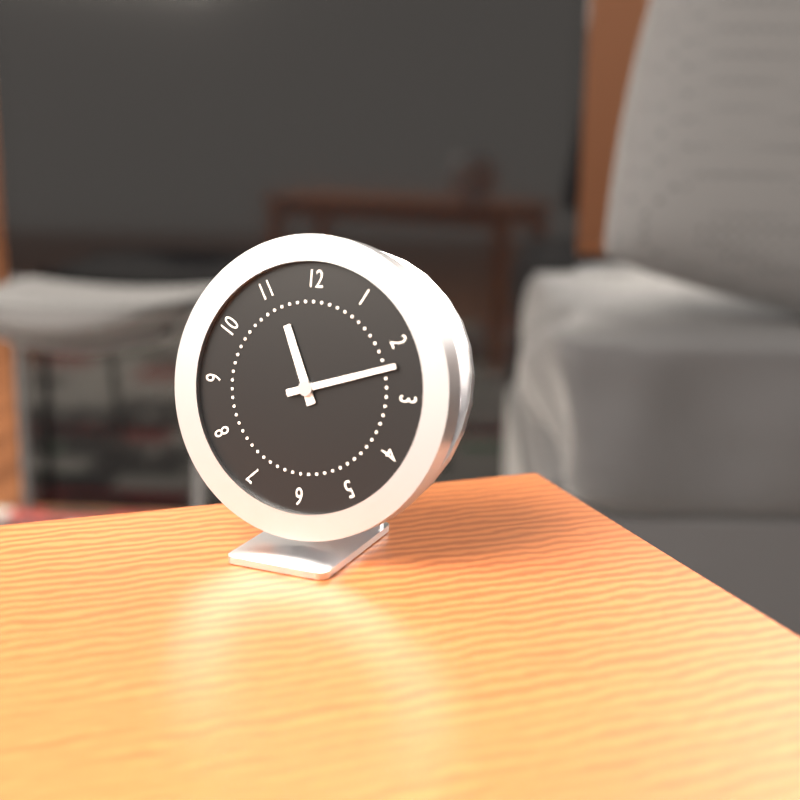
**11:12**
